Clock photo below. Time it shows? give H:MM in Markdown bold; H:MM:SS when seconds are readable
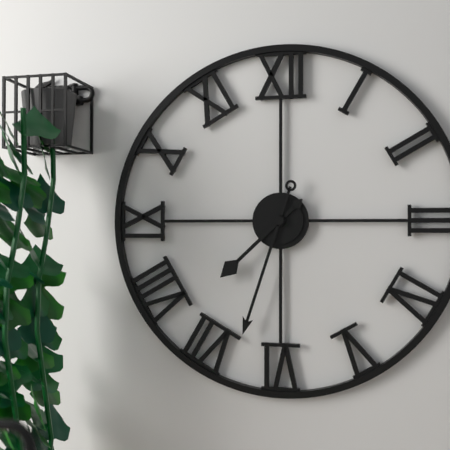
**7:33**
